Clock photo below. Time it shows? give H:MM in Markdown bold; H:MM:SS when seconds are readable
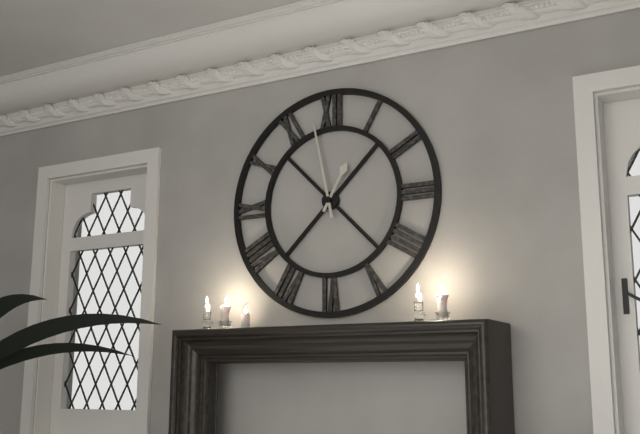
**12:58**
